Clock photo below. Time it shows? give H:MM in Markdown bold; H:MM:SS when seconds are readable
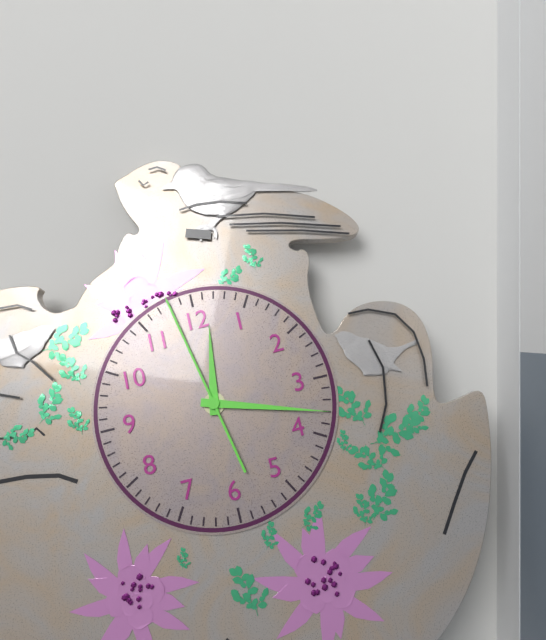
**12:18:58**
